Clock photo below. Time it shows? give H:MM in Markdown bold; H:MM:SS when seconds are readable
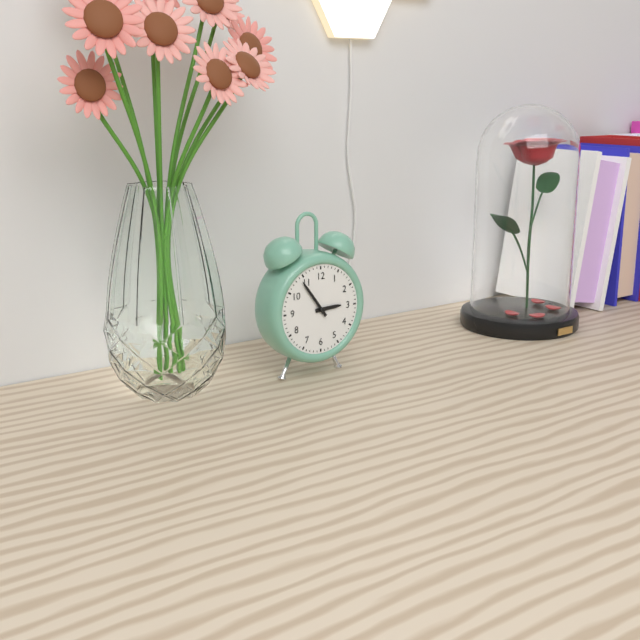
**2:54**
